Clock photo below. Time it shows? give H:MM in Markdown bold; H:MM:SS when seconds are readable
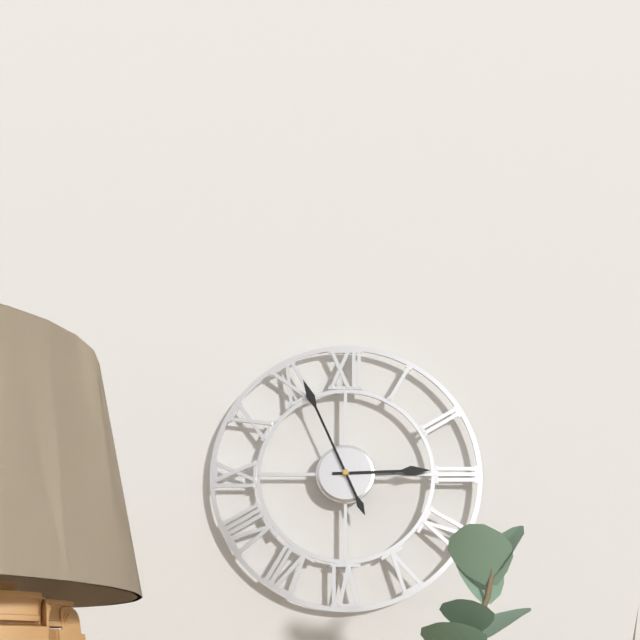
**2:56**
